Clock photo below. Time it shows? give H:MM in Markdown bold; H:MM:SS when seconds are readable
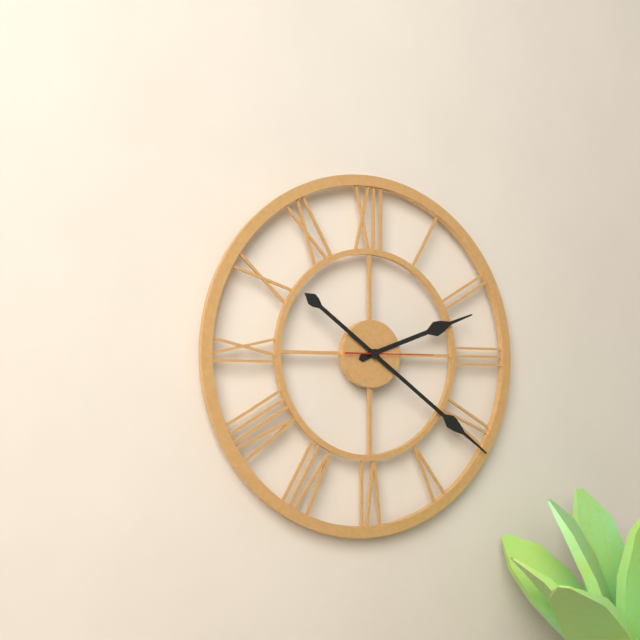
**2:21:15**
